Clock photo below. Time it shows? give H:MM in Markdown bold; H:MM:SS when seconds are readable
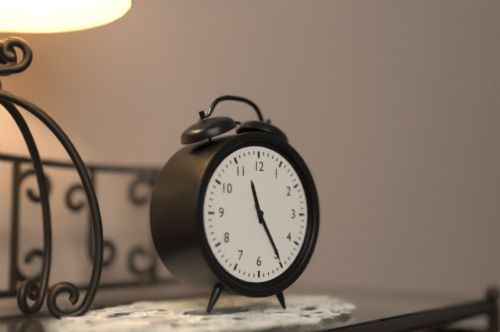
**11:25**
